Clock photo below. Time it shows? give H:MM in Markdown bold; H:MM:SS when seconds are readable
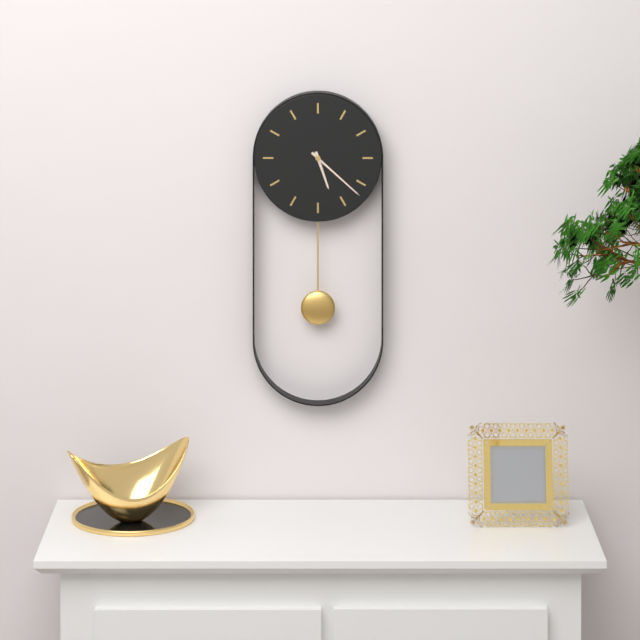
**5:22**
